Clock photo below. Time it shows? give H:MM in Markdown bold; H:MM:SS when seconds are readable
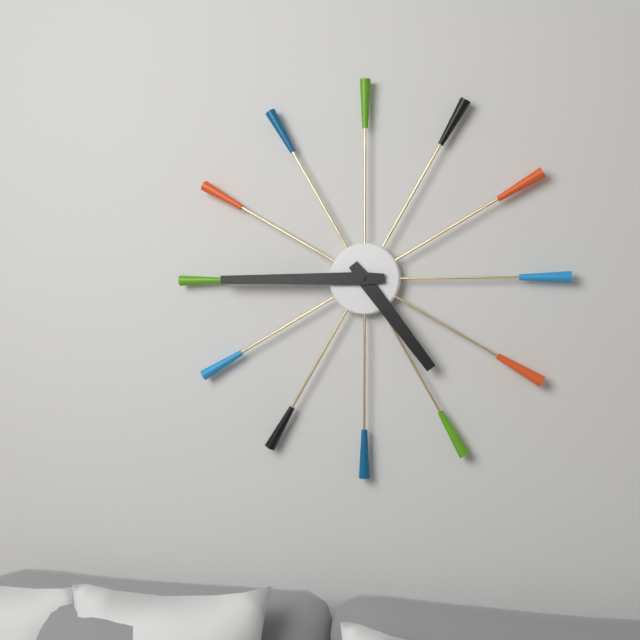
**4:45**
